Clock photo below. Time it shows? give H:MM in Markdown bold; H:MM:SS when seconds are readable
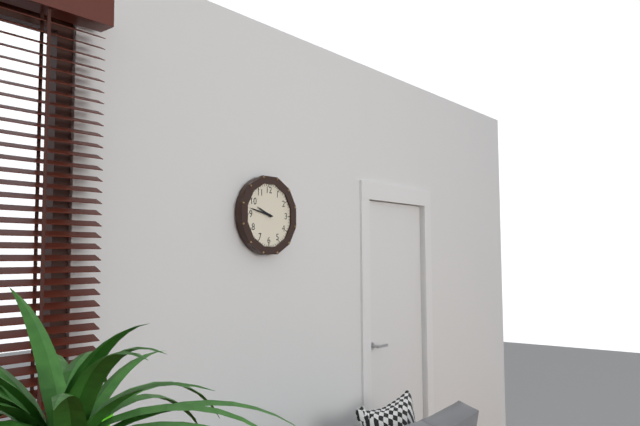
**9:47**
